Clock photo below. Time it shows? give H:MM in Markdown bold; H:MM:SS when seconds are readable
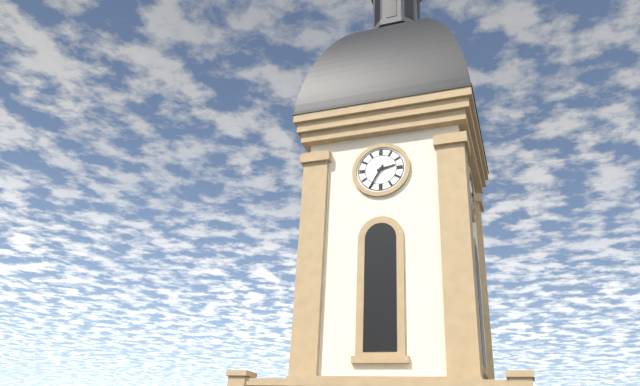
**2:35**
